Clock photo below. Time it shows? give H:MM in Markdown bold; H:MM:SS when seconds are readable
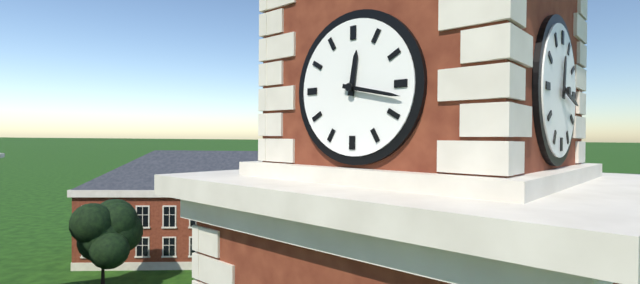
**12:17**
